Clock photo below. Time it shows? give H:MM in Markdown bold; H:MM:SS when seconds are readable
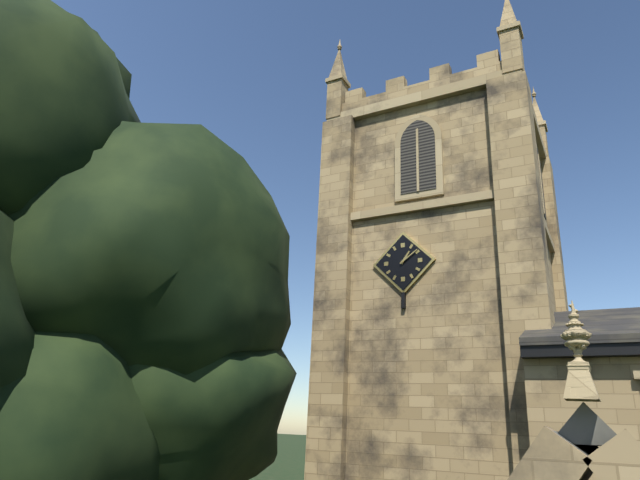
**1:09**
